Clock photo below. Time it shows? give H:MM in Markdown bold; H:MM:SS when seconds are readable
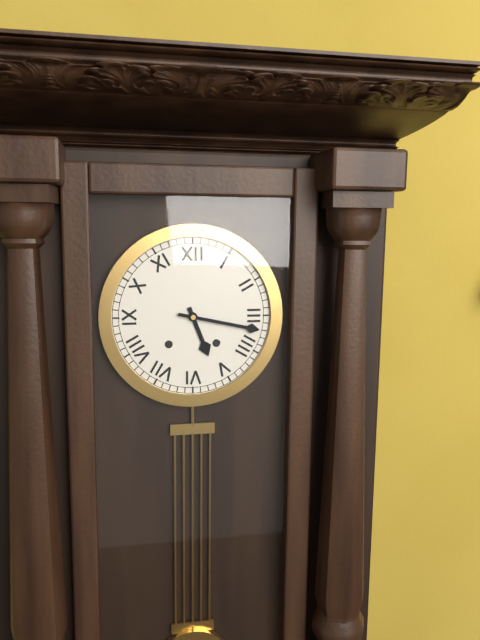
**5:17**
